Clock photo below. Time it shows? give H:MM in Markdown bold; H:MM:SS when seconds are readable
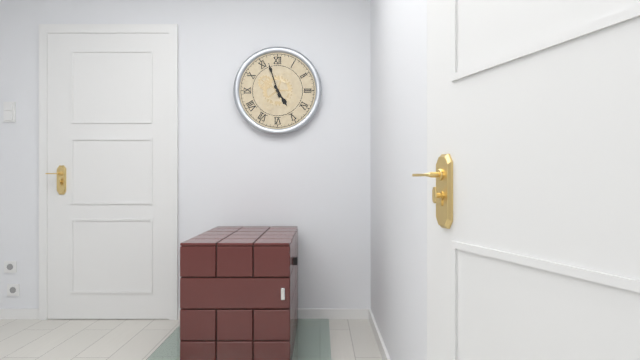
**4:57**
